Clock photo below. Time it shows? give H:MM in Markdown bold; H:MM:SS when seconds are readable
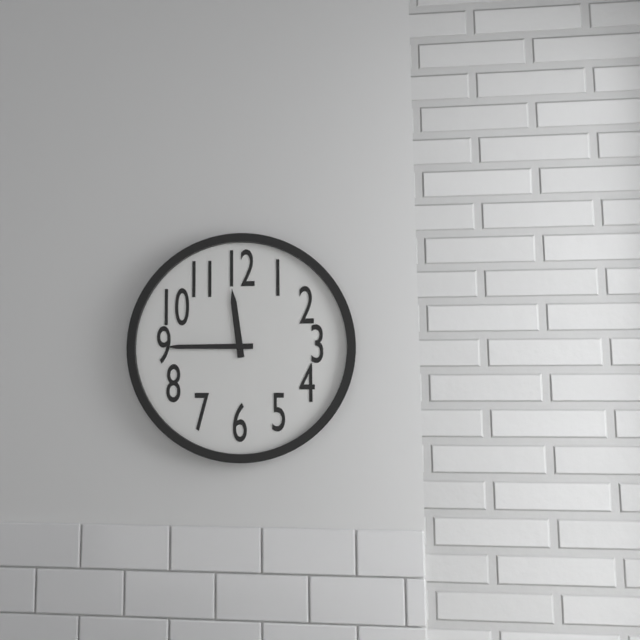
**11:45**
